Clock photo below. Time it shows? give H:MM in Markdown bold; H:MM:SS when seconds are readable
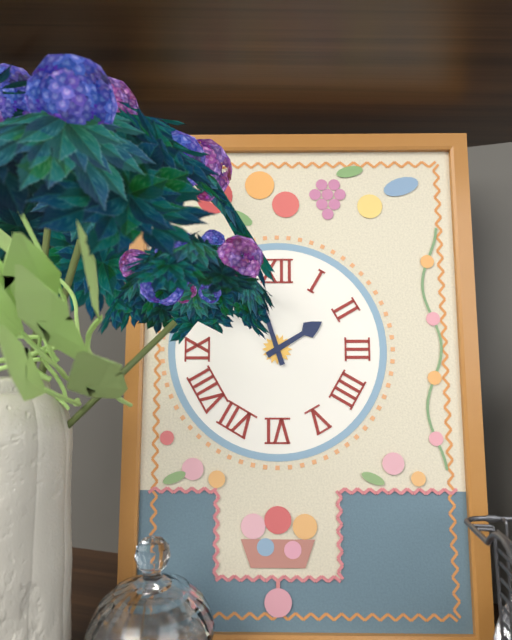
**1:57**
